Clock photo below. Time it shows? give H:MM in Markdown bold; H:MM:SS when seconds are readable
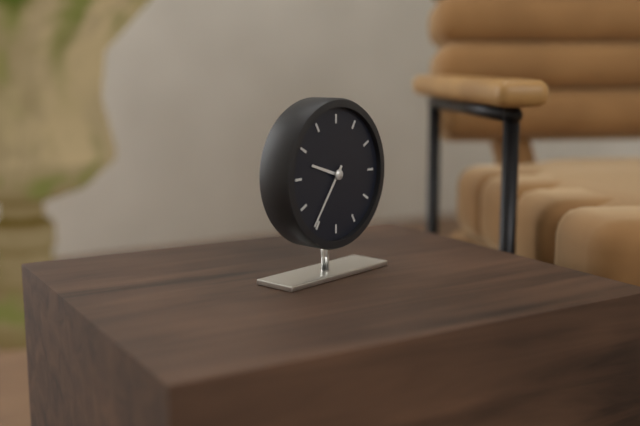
**9:36**
